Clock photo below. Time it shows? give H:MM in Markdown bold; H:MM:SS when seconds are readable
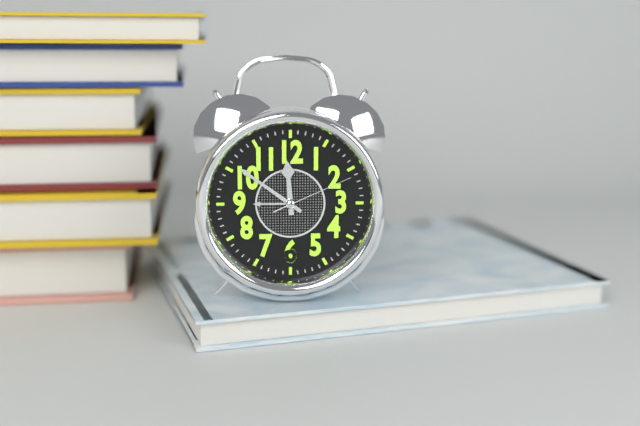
**11:51:11**
